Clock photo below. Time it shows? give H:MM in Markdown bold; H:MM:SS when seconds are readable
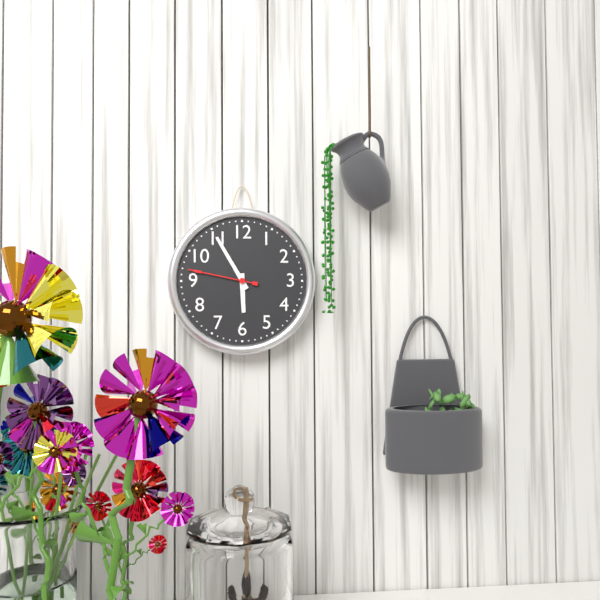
**5:55:47**
